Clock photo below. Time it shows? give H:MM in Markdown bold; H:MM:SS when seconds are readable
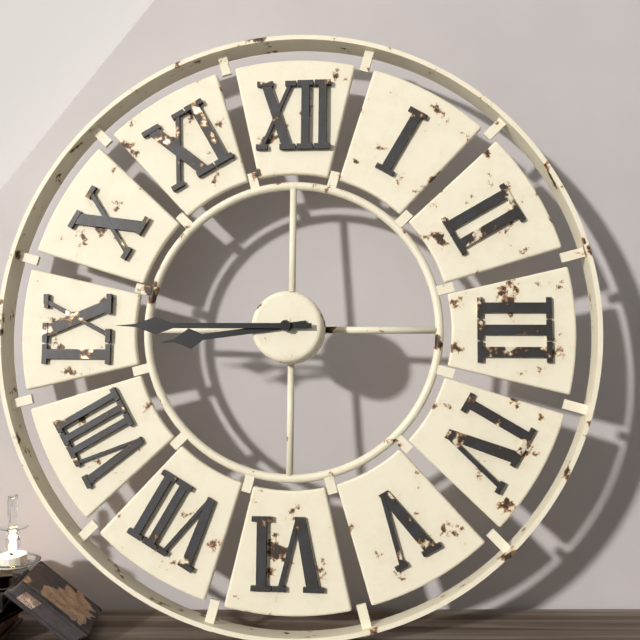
**8:45**
